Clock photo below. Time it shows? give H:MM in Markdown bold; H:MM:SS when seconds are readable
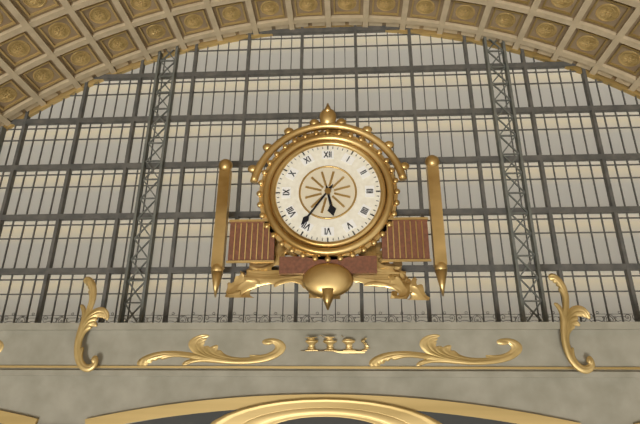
**5:36**
